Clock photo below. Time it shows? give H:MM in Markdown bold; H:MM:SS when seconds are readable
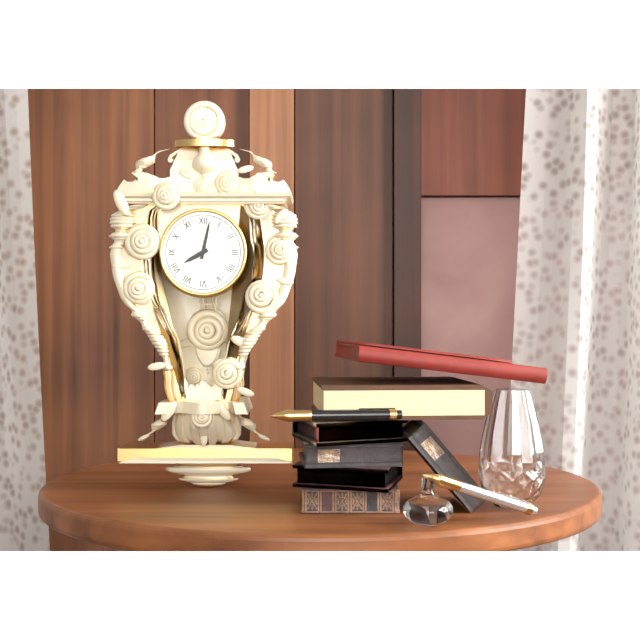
**8:02**
